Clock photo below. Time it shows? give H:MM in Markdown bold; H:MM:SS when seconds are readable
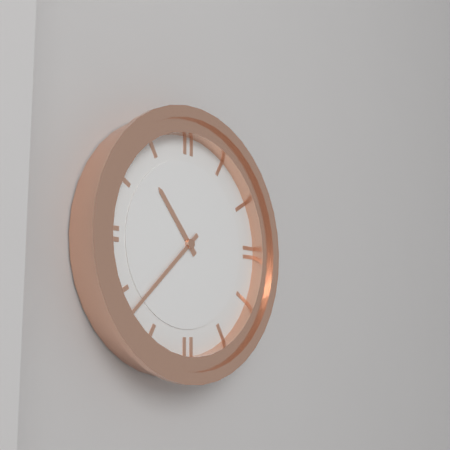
**10:38**
